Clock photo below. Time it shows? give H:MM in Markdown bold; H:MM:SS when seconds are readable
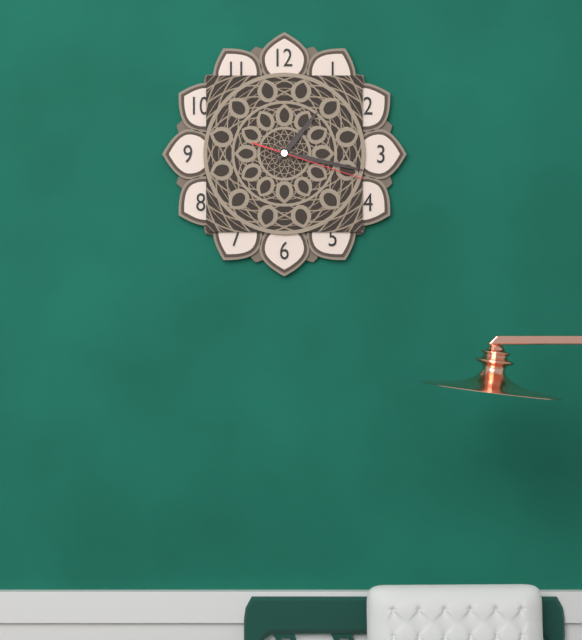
**1:17:18**
